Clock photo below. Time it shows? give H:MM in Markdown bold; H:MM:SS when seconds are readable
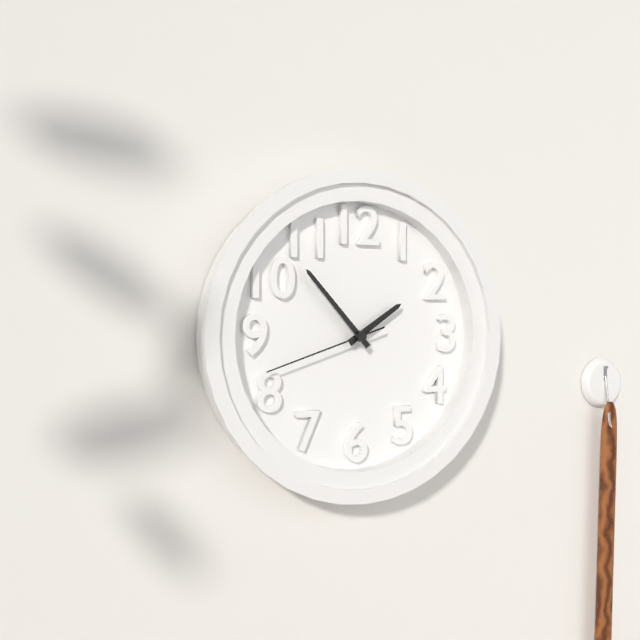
**1:53:42**
